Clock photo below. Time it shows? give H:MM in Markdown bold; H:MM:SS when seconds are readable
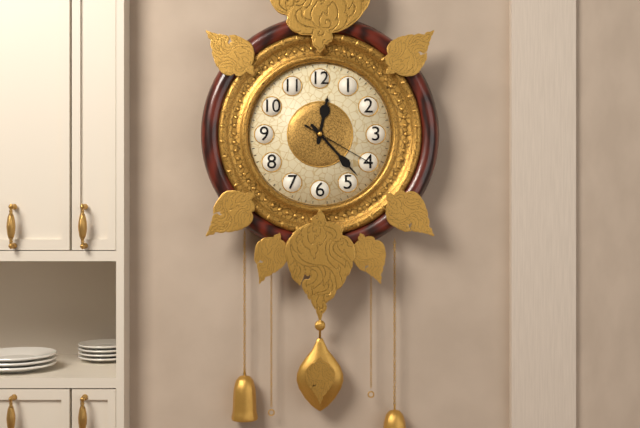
**12:23:20**
